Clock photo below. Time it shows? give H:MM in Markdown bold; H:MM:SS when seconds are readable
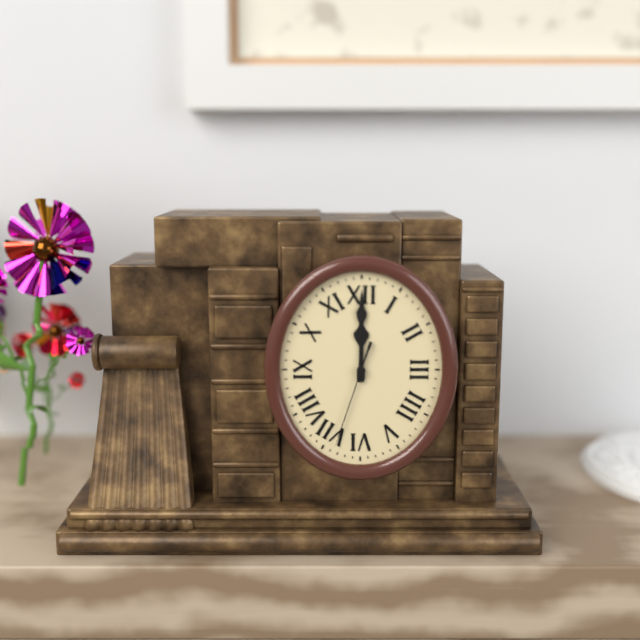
**12:00:33**
